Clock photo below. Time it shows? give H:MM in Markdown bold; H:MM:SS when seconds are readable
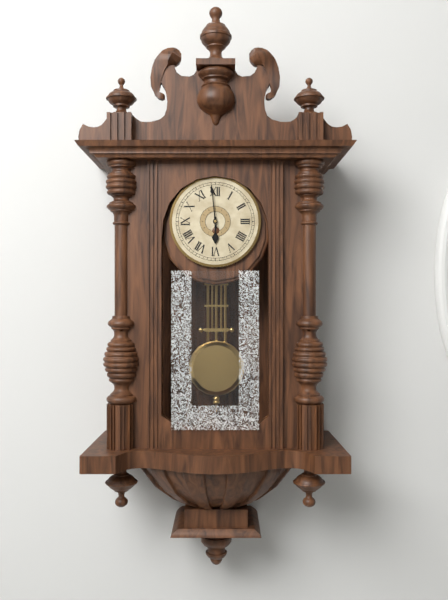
**5:59**
